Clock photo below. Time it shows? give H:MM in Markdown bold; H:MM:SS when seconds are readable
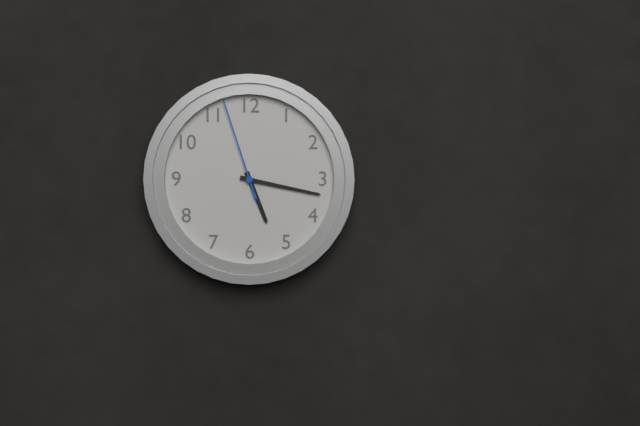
**5:17:57**
